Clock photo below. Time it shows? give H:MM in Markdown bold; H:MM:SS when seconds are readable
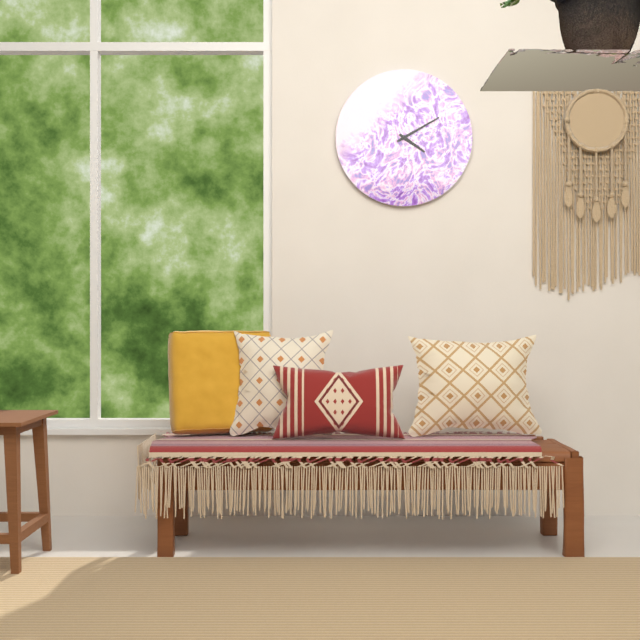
**4:10**
